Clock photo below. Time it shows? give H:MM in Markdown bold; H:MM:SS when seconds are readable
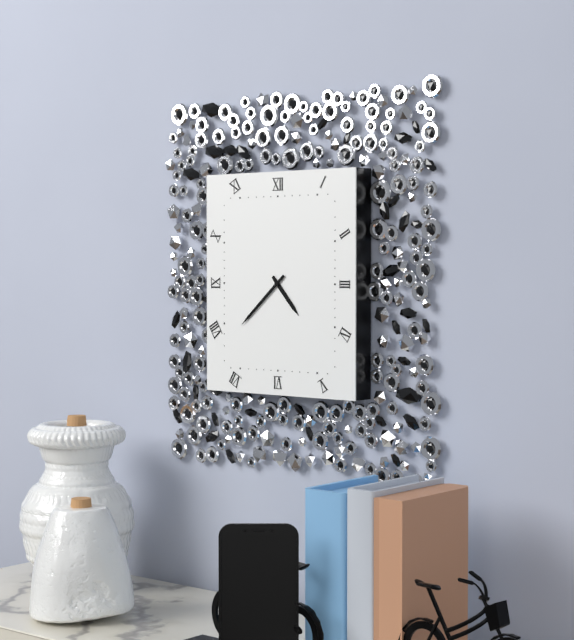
**4:38**
